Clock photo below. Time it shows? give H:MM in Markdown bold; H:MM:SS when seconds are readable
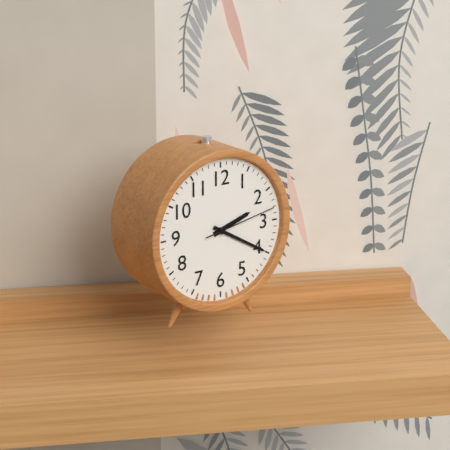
**2:20:13**
